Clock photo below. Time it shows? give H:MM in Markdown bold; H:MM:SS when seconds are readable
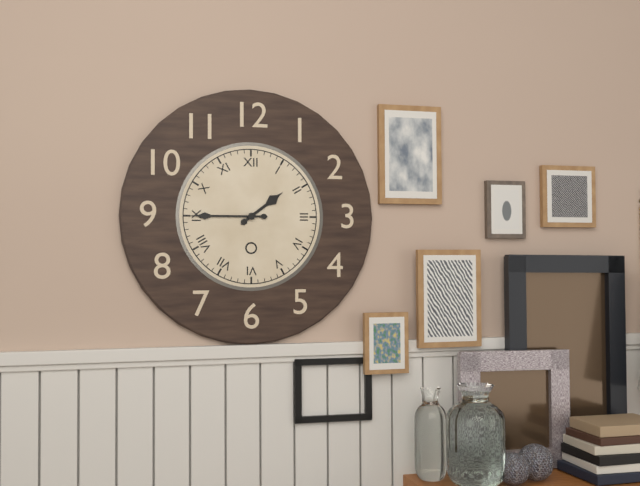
**1:45**
